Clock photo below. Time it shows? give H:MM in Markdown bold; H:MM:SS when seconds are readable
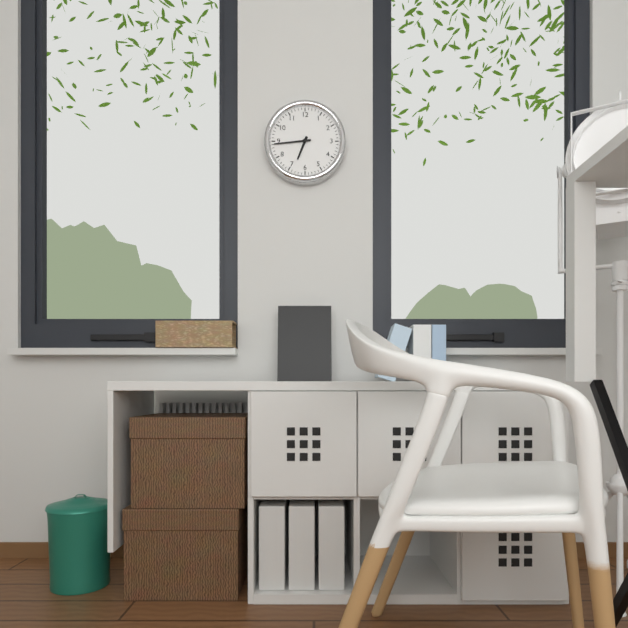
**6:44**
